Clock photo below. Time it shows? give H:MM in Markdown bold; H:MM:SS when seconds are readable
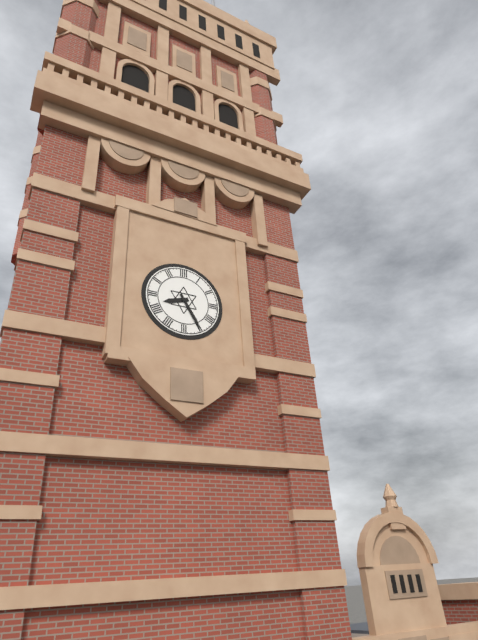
**8:25**
